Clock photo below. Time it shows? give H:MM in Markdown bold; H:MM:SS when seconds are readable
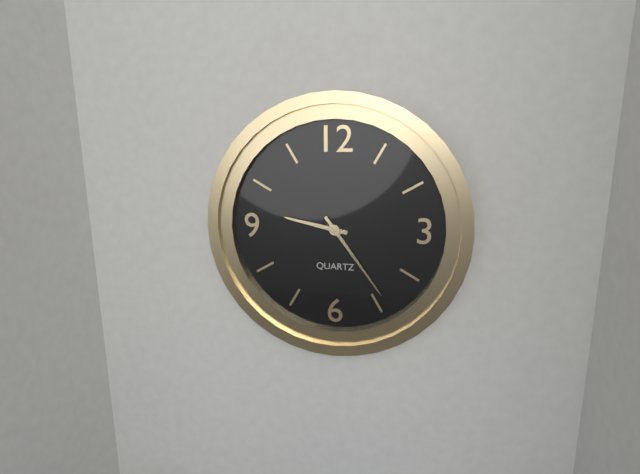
**9:24**
